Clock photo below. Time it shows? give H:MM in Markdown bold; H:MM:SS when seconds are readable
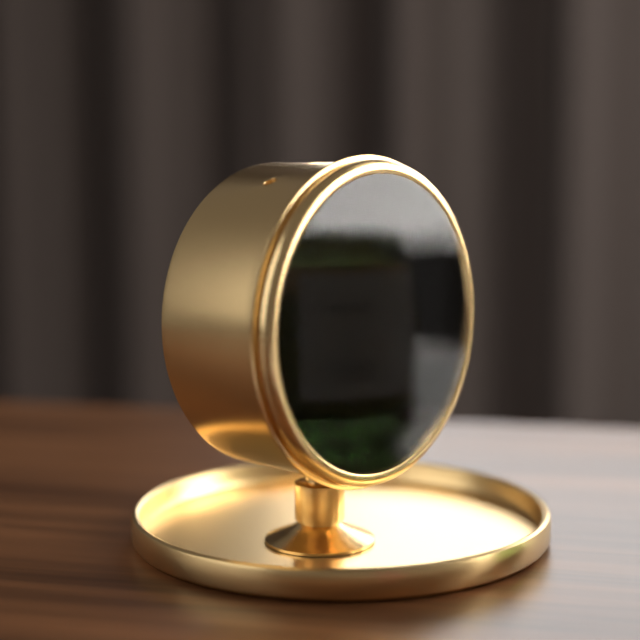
**2:00:20**
